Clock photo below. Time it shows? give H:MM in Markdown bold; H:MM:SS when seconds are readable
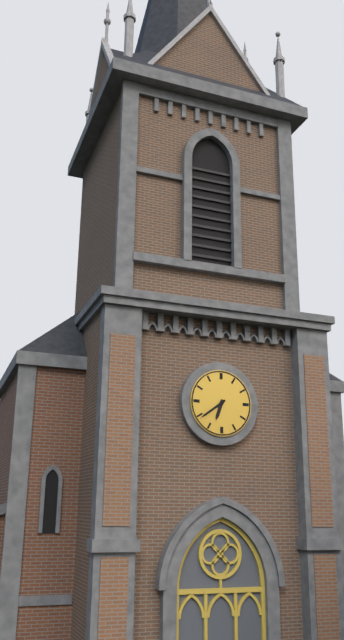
**6:39**
